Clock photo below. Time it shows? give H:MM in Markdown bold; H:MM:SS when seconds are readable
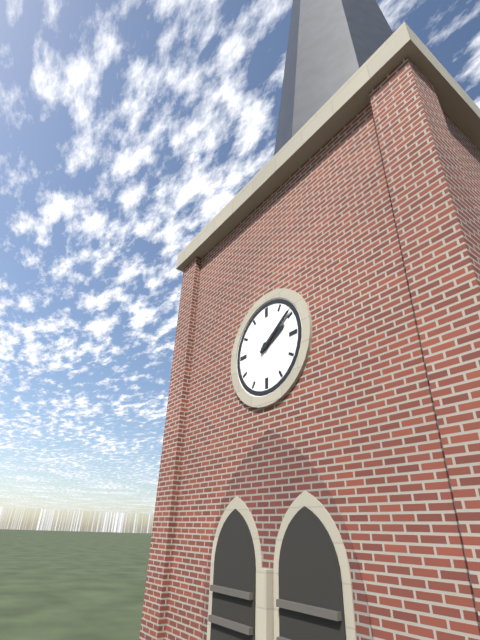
**2:09**
